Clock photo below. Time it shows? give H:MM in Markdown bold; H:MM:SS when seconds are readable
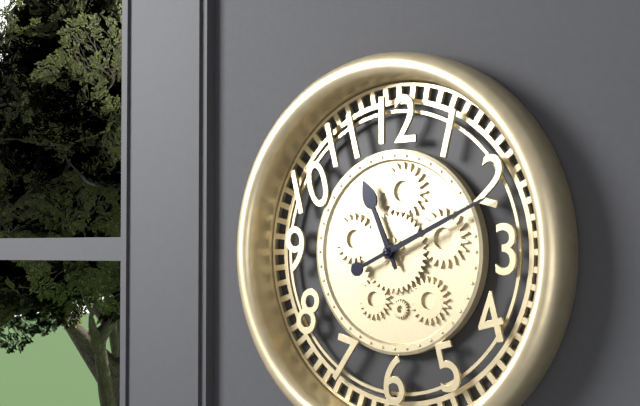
**11:11**
